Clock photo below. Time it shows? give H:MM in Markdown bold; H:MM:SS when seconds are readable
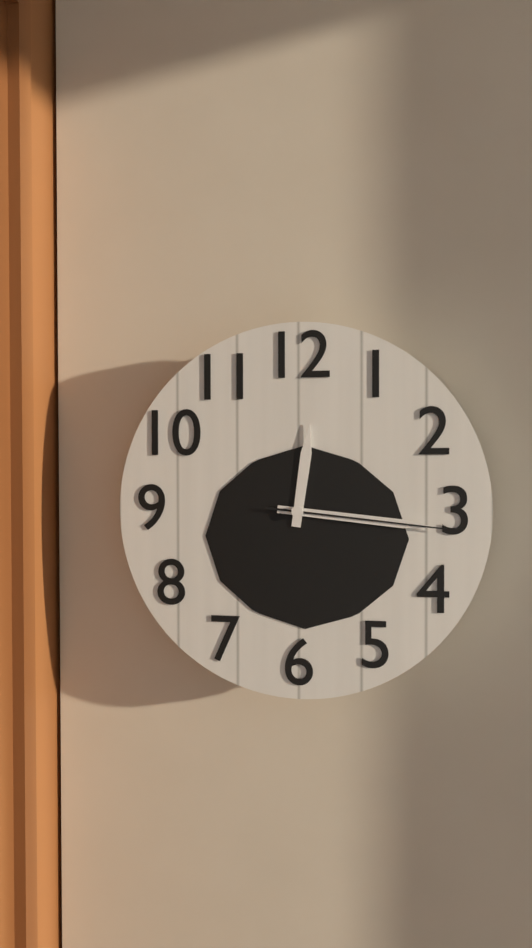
**12:16:16**
